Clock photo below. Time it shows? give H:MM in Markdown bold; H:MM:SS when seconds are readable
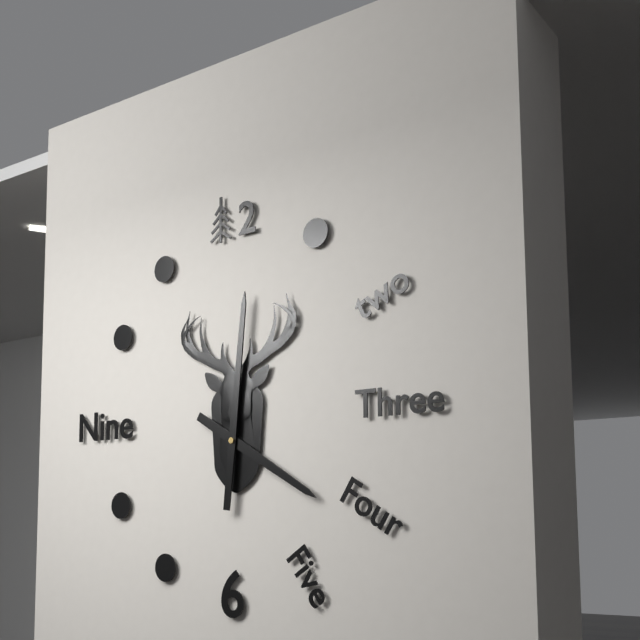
**4:01**
